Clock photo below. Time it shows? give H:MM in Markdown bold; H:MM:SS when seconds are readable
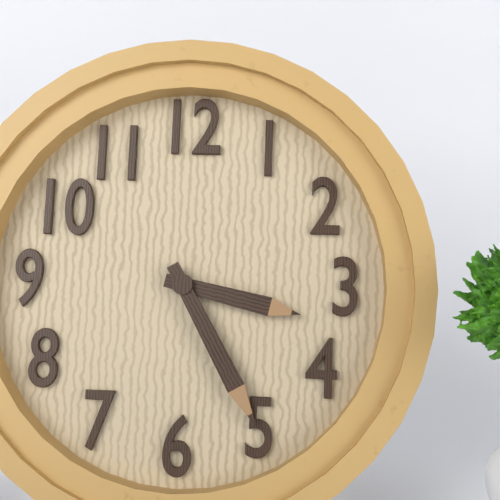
**3:25**
